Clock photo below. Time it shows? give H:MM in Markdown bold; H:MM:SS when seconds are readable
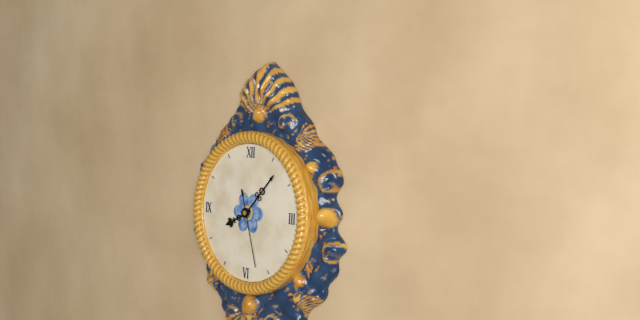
**8:07:27**
